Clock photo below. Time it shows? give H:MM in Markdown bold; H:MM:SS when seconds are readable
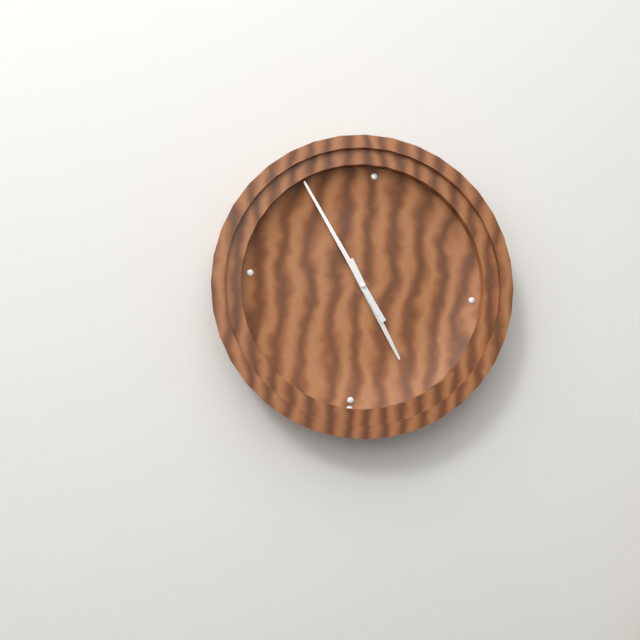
**4:54**
